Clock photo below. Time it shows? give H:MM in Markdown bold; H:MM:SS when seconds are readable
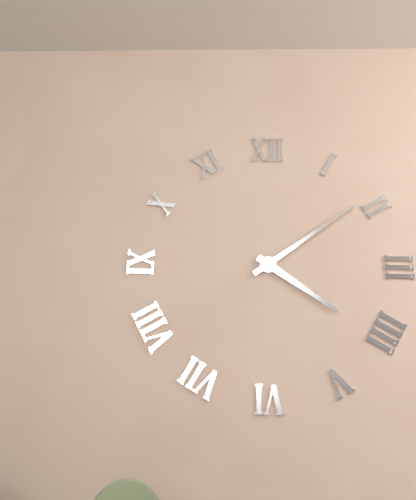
**4:09**
